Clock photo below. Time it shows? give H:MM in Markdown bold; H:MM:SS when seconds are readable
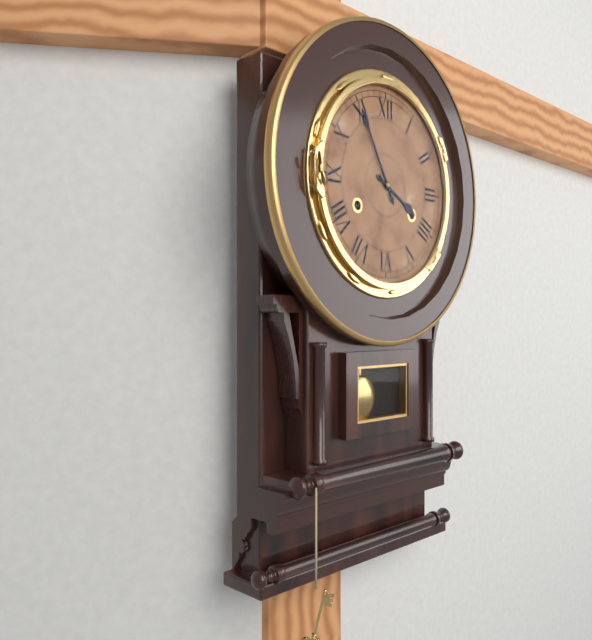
**3:55**
